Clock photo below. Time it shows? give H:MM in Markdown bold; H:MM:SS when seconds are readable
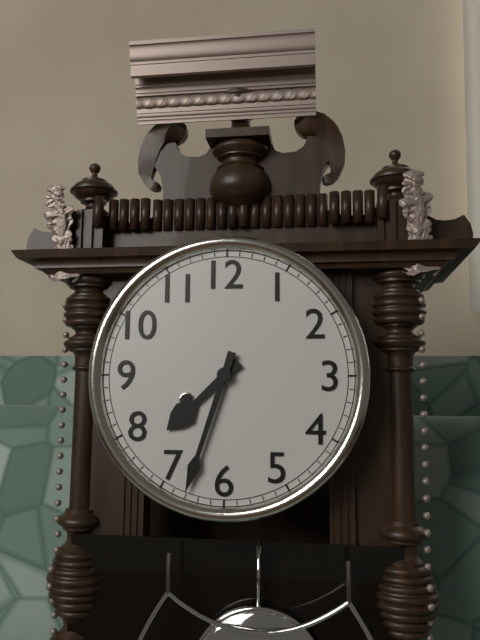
**7:33**
